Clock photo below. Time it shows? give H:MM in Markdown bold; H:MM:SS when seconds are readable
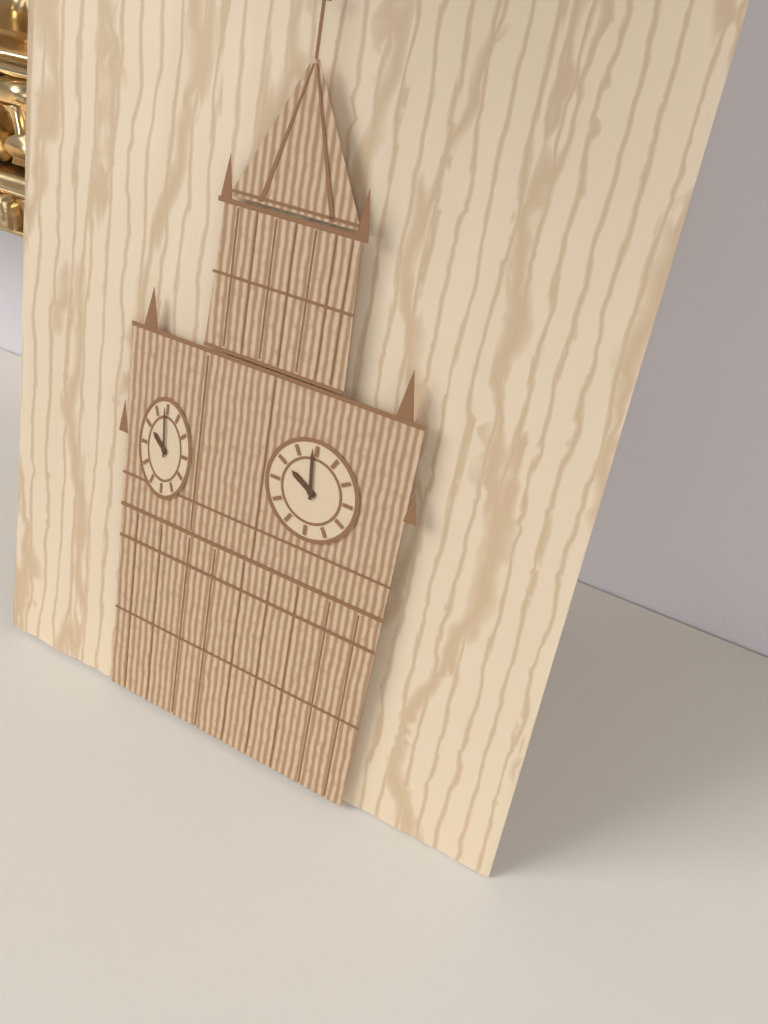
**9:59**
